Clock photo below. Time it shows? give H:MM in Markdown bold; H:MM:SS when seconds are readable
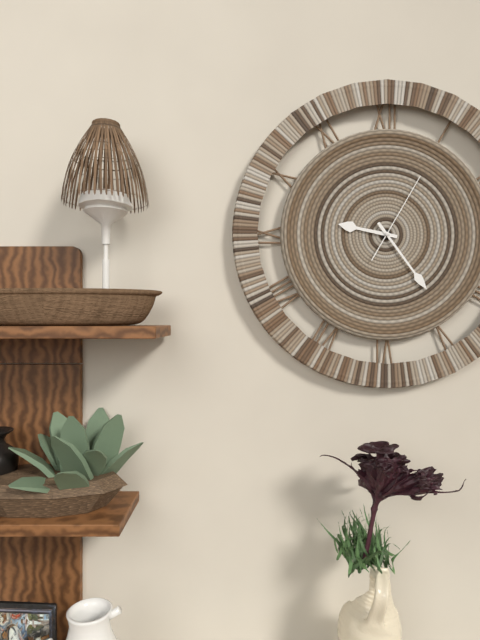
**9:24:05**
